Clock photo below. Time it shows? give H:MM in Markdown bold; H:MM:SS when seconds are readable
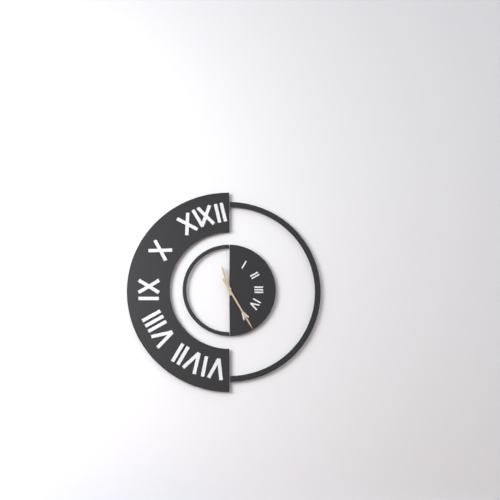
**11:25**
